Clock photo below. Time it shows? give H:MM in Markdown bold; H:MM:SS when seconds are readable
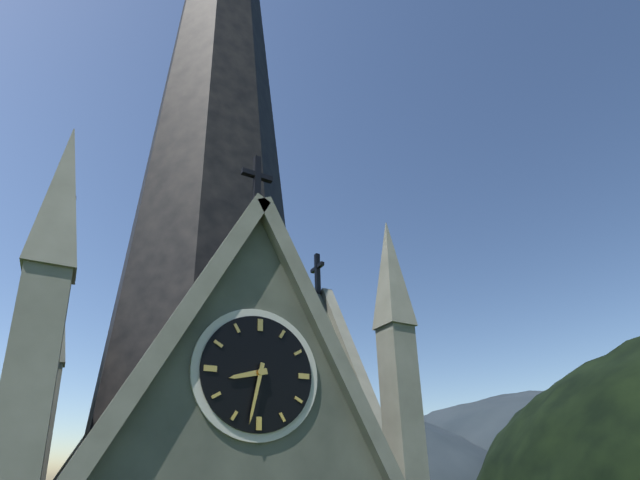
**8:32**
